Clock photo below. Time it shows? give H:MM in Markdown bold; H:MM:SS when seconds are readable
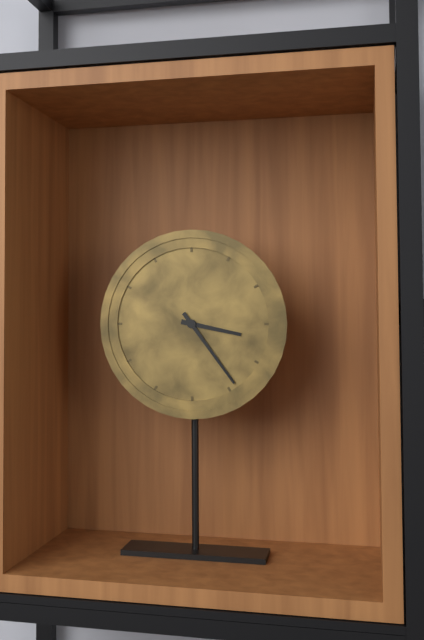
**3:24**
